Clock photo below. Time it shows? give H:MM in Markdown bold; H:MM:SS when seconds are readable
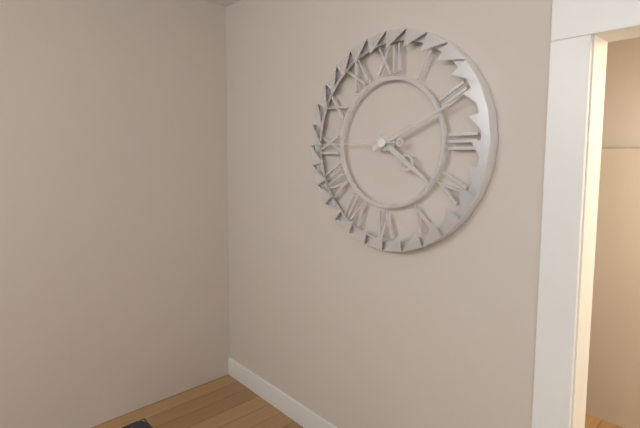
**4:11:45**
